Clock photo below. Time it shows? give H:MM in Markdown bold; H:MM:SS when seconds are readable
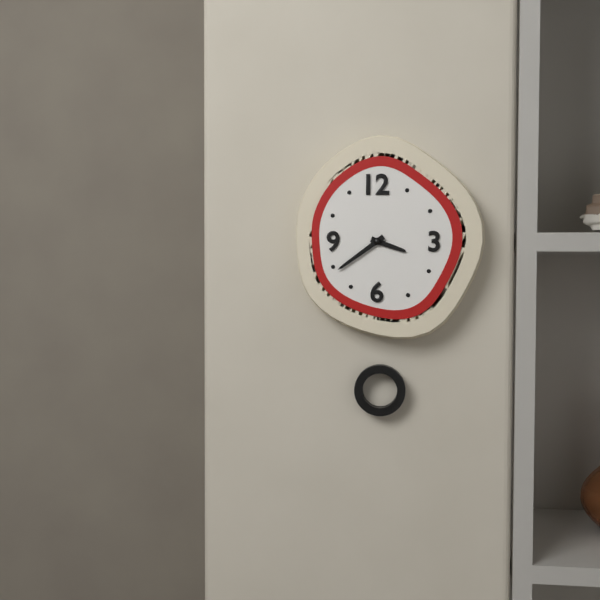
**3:39**
